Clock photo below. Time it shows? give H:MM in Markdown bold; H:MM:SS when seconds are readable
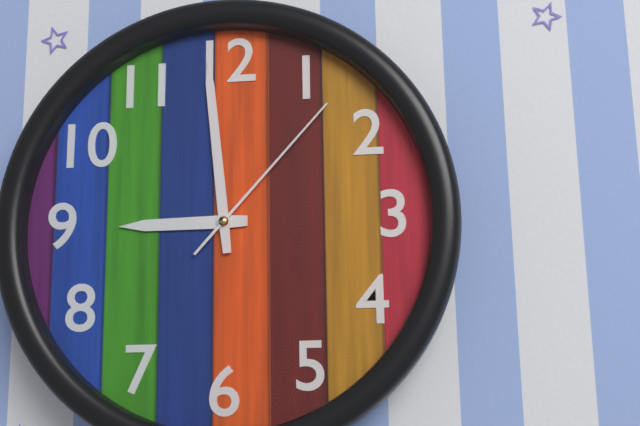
**8:59:07**
